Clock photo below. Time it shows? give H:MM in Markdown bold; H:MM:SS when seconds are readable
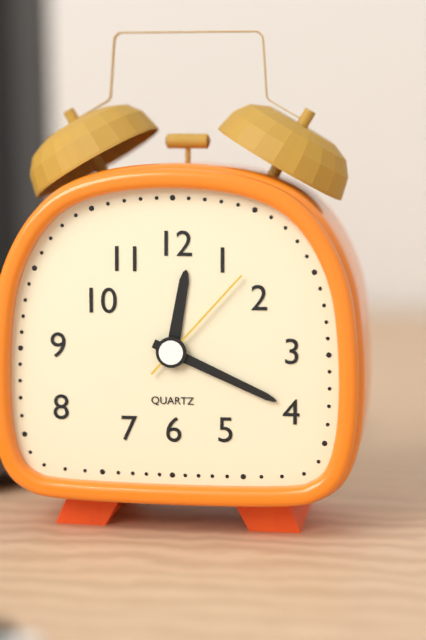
**12:19:07**
